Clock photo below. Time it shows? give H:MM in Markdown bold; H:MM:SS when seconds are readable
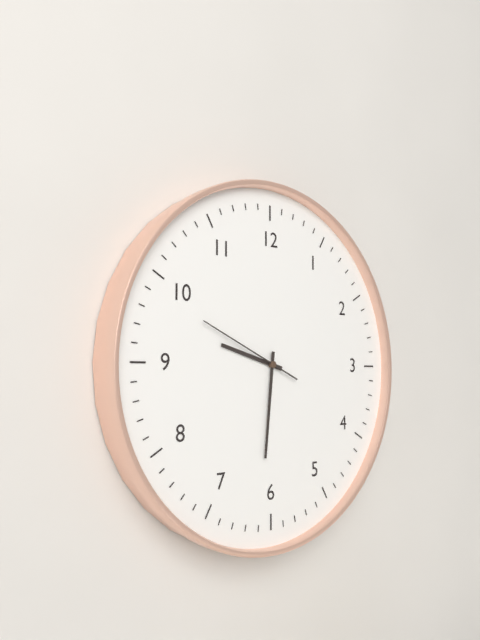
**9:31:49**
